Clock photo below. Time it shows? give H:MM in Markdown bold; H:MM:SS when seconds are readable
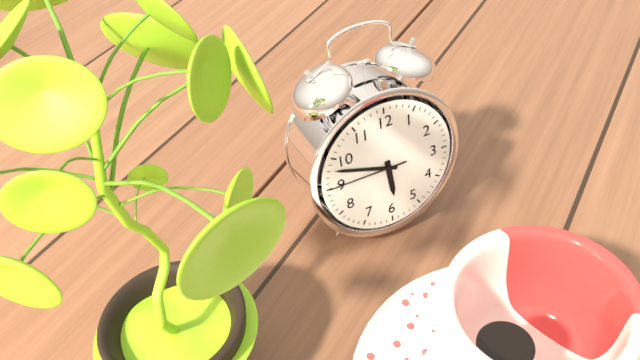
**5:48:45**
